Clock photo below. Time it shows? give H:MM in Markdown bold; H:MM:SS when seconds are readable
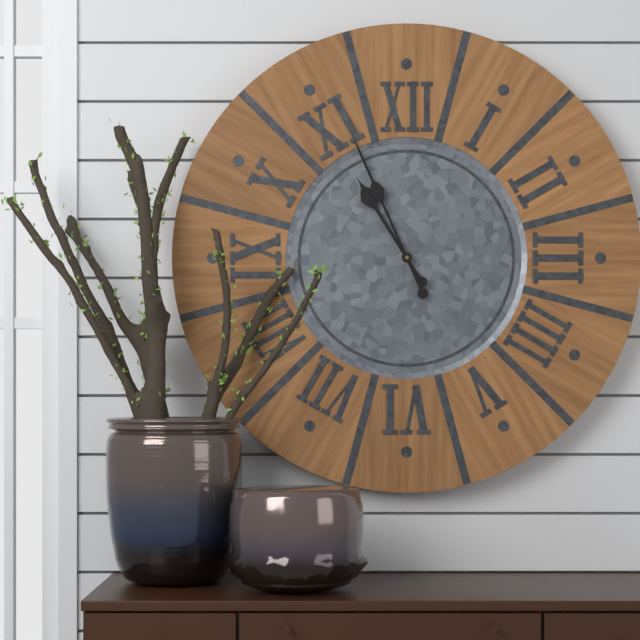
**10:56**
